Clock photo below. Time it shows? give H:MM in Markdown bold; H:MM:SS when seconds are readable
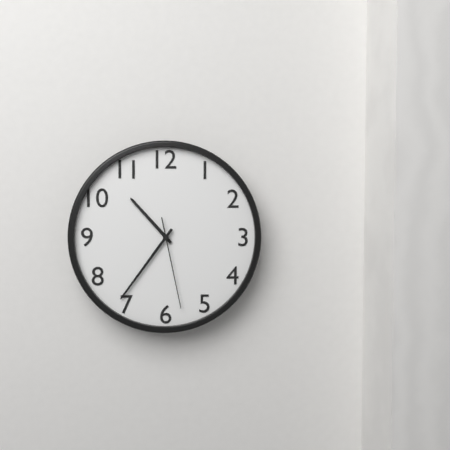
**10:36:28**
